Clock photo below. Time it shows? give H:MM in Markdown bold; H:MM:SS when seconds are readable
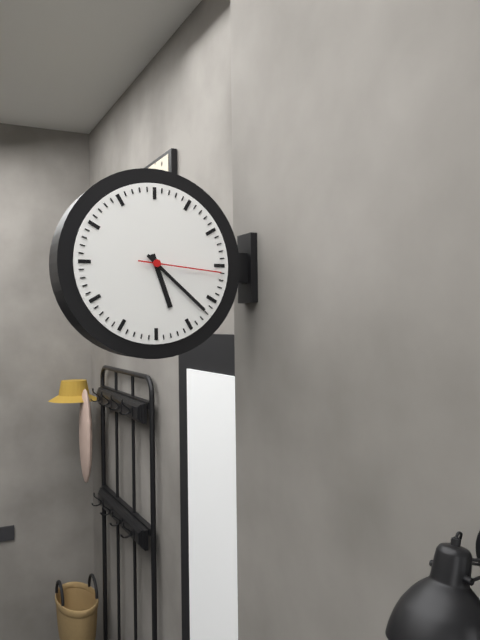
**5:22:16**
